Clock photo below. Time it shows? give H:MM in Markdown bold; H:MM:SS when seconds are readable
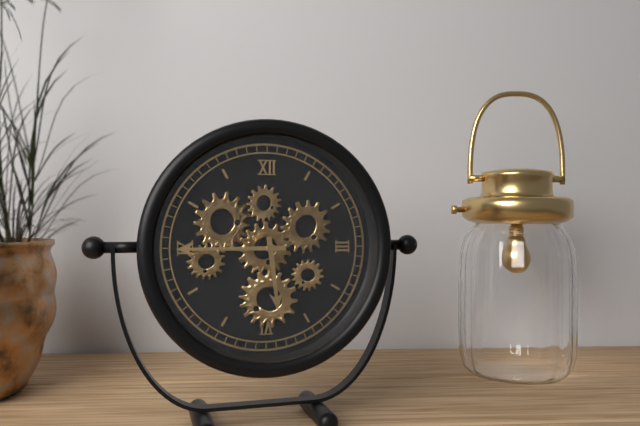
**5:45**
